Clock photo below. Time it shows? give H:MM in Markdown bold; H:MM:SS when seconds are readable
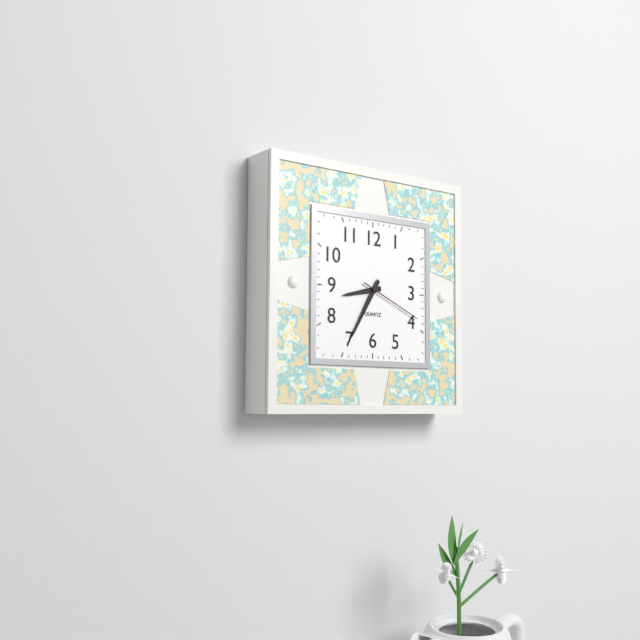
**8:35:19**
